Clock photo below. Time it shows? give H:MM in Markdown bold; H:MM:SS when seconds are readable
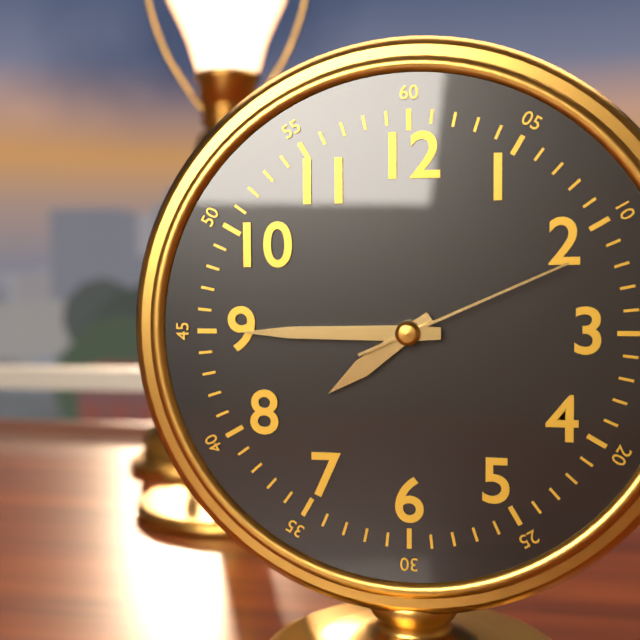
**7:45:11**
